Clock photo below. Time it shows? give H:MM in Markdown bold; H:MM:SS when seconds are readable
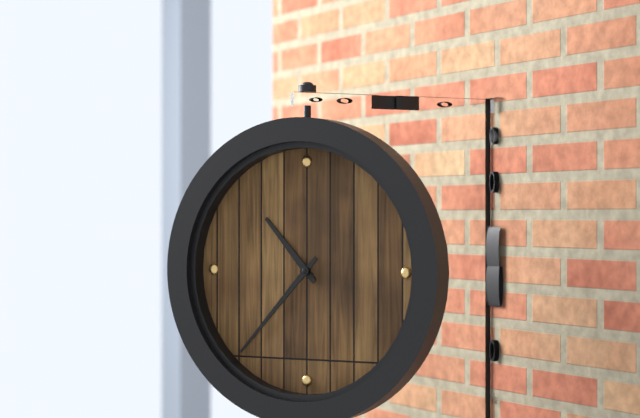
**10:37**
